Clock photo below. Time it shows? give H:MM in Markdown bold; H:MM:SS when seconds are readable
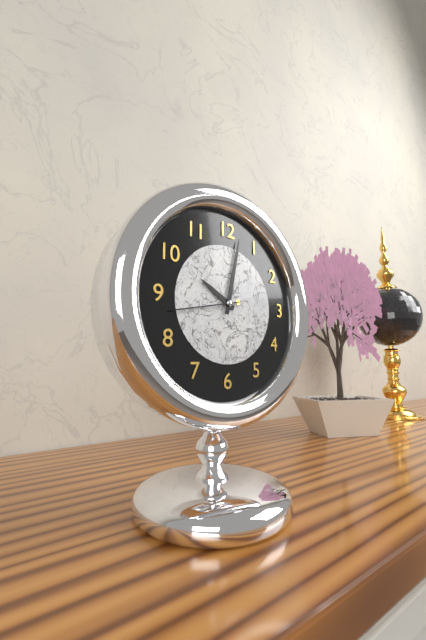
**10:02:43**
